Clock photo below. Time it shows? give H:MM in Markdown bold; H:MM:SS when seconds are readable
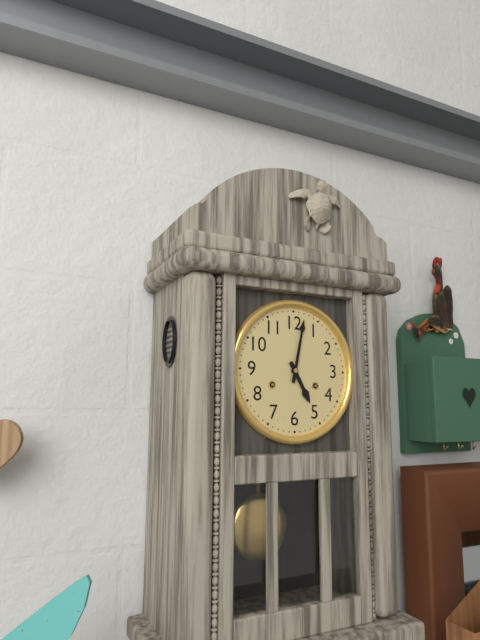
**5:02**
